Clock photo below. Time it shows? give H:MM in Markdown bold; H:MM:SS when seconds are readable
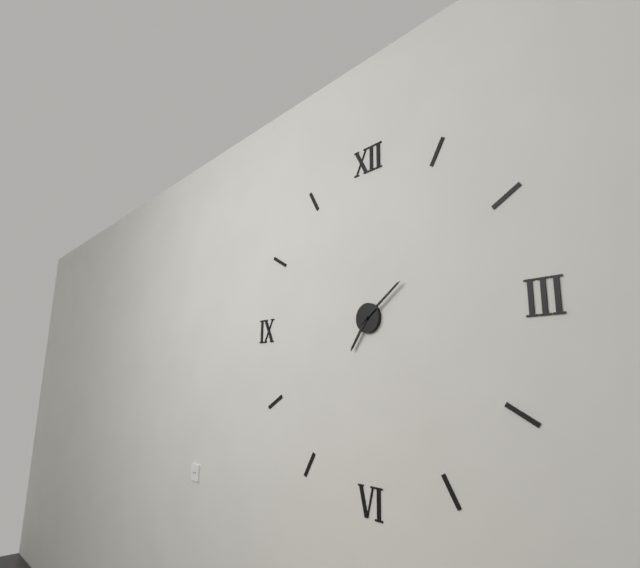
**7:09**
